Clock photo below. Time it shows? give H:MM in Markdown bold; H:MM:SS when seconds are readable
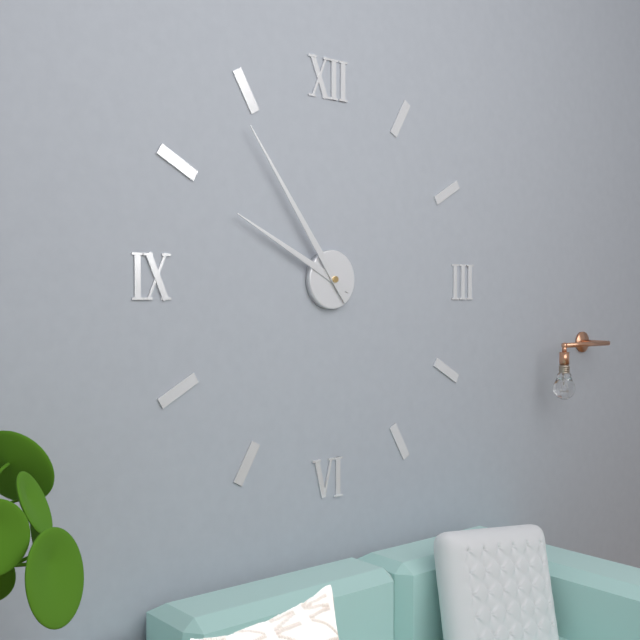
**9:54**
